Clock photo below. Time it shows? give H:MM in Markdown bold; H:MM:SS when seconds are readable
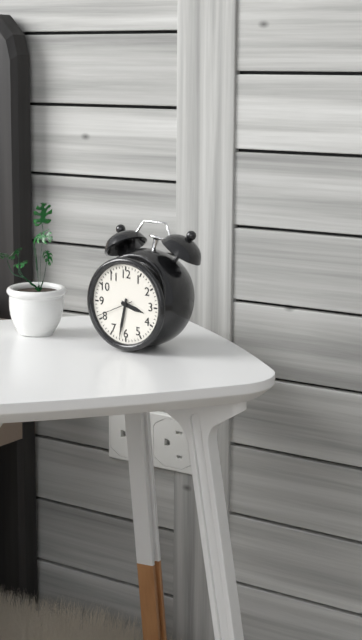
**3:32**
